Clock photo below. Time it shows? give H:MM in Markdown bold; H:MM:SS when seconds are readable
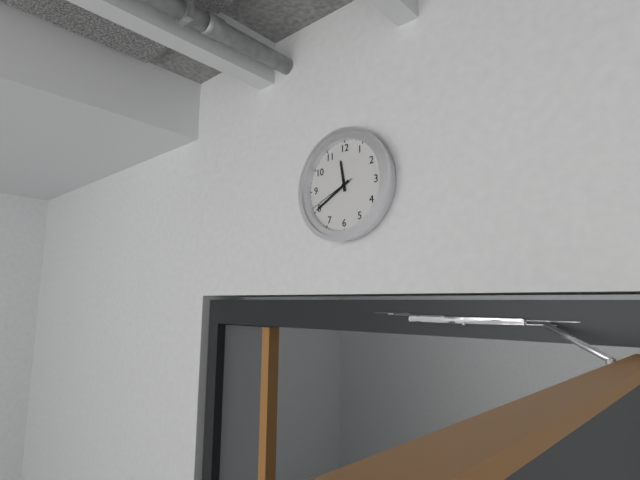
**11:40**
